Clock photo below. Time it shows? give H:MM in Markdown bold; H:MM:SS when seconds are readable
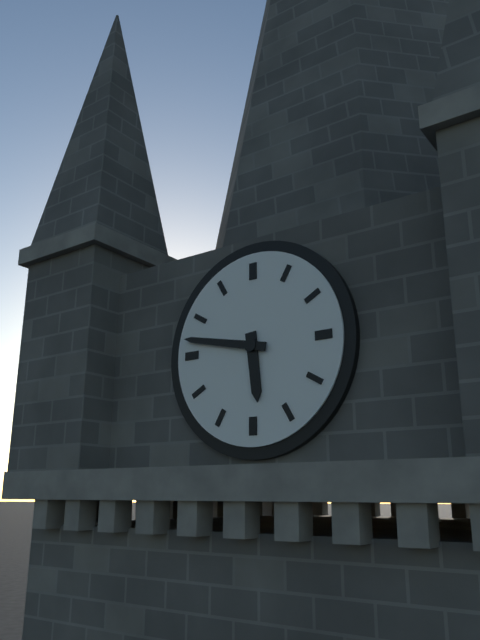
**5:47**
